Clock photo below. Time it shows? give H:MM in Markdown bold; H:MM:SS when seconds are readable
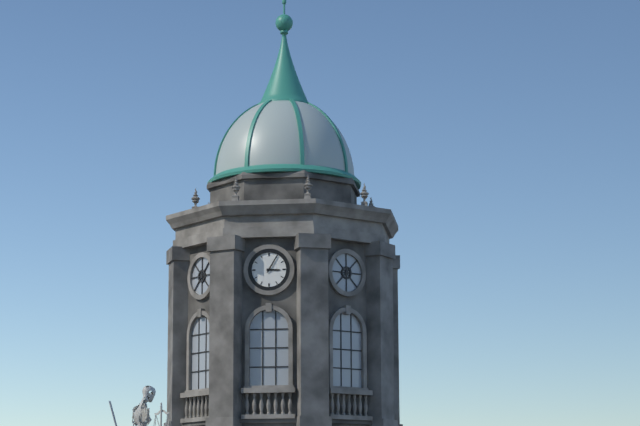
**3:05**
